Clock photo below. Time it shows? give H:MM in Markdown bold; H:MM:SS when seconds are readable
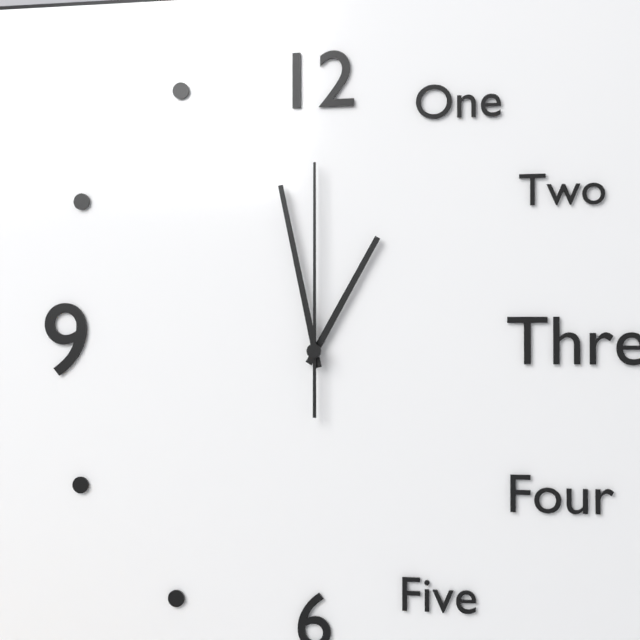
**12:58:00**
